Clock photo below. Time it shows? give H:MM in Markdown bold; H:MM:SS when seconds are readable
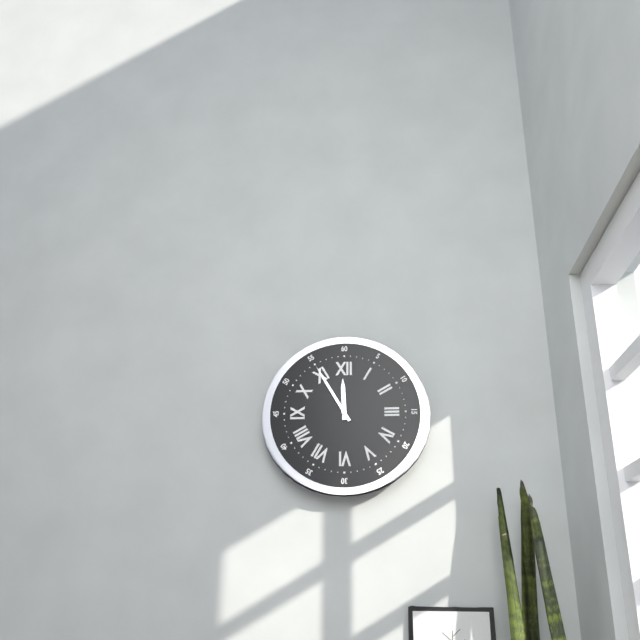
**11:55**
